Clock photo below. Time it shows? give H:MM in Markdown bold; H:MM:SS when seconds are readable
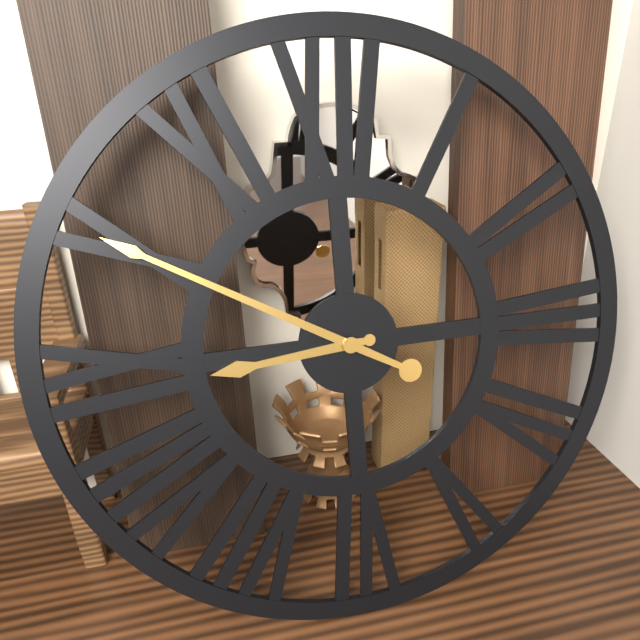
**8:50**
